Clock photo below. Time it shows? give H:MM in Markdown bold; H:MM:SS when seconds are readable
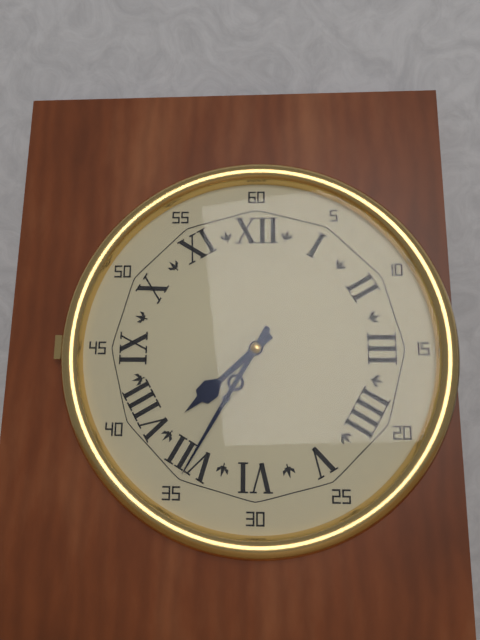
**7:35**
